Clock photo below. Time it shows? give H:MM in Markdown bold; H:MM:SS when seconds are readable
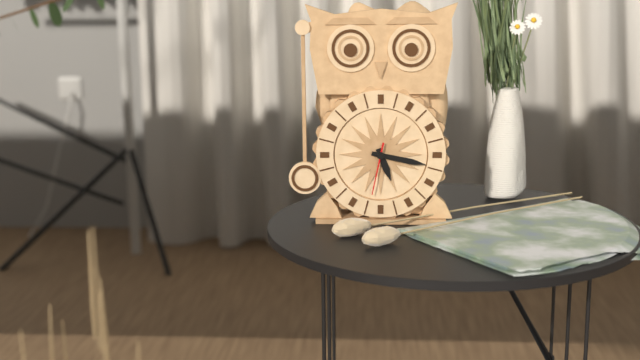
**5:17:32**
